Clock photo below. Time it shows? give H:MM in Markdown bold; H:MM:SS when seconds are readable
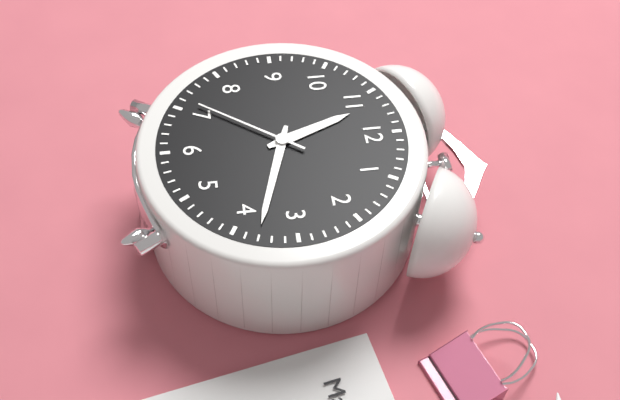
**11:18:36**
